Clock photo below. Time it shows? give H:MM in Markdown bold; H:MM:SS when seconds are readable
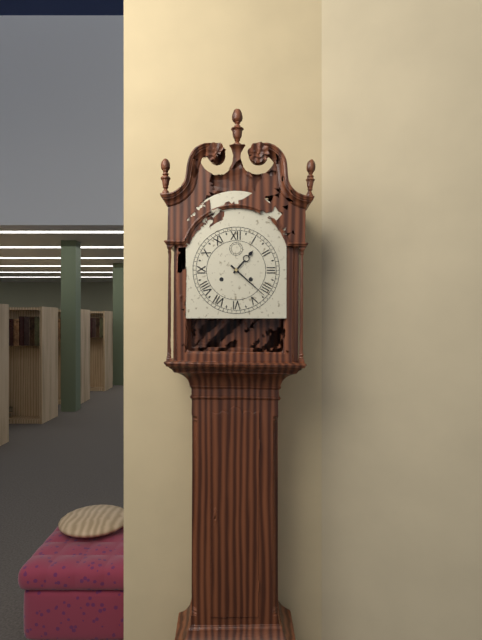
**1:22**
